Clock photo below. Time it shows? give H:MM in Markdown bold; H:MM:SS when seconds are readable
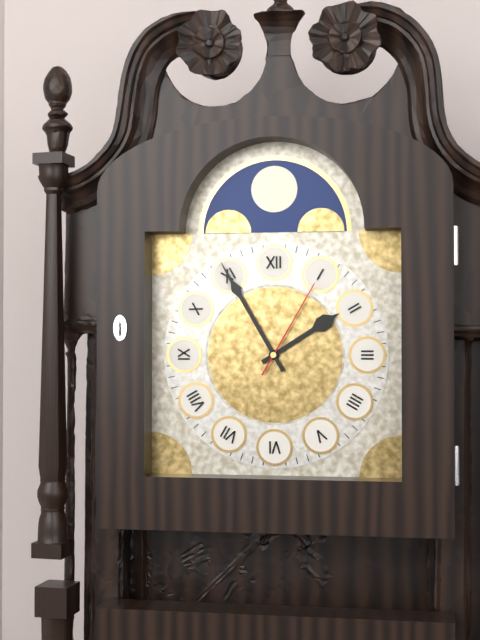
**1:55:05**
